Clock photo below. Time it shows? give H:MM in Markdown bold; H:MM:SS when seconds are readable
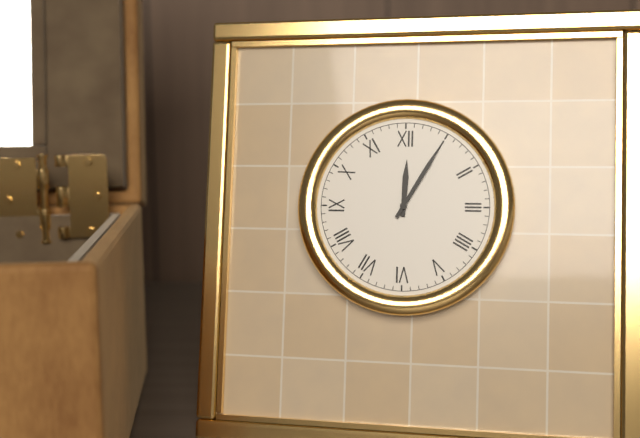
**12:05**
